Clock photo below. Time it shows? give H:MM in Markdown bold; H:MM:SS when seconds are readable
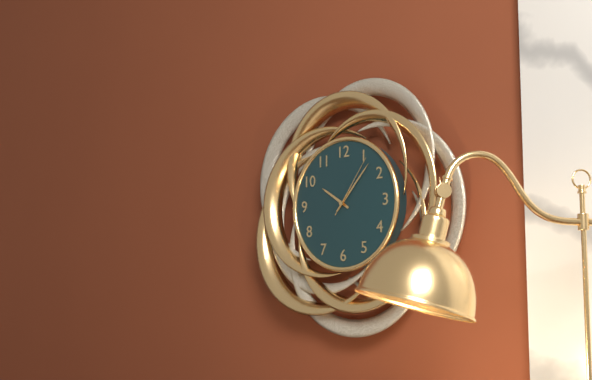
**10:07:06**
